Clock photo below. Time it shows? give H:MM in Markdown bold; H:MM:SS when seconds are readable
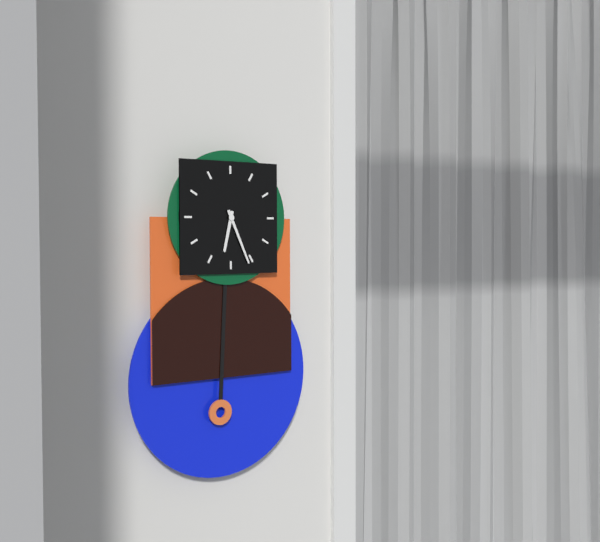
**6:26**
